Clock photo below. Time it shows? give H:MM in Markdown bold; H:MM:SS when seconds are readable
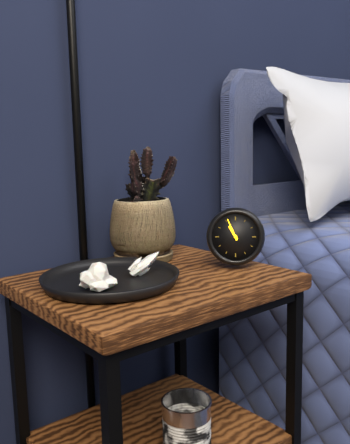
**10:56**
